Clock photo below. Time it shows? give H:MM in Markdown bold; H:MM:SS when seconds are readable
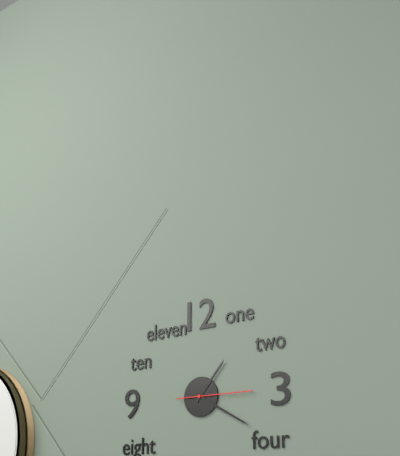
**1:20:15**
